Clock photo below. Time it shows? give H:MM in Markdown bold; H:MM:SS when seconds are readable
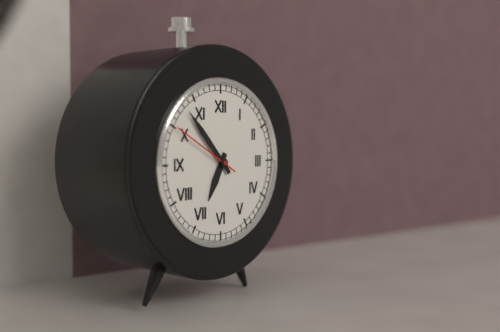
**6:53:50**
